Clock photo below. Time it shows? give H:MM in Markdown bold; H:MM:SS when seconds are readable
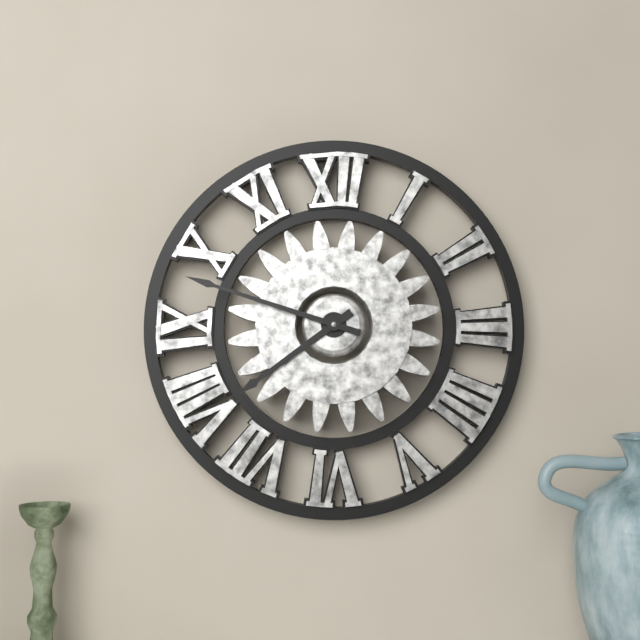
**7:48**
